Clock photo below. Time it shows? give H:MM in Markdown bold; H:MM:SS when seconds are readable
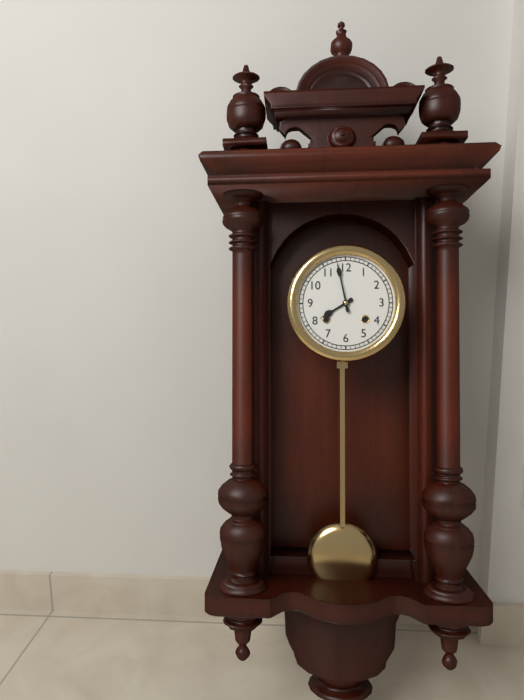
**7:58**
